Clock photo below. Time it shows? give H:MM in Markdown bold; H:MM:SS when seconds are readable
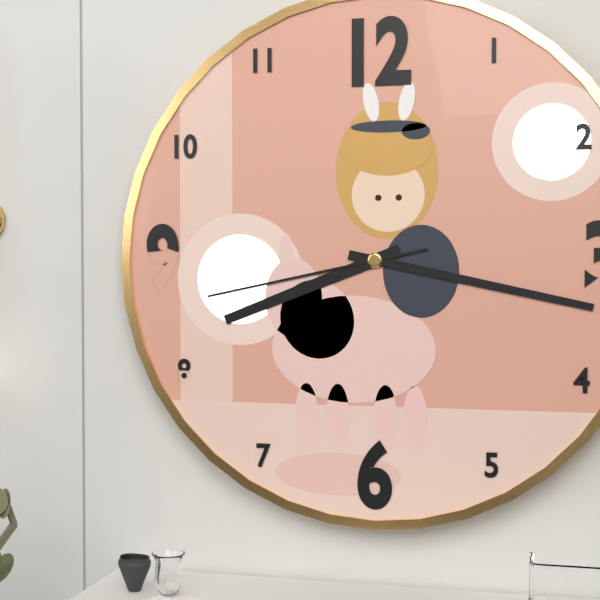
**8:17:43**
